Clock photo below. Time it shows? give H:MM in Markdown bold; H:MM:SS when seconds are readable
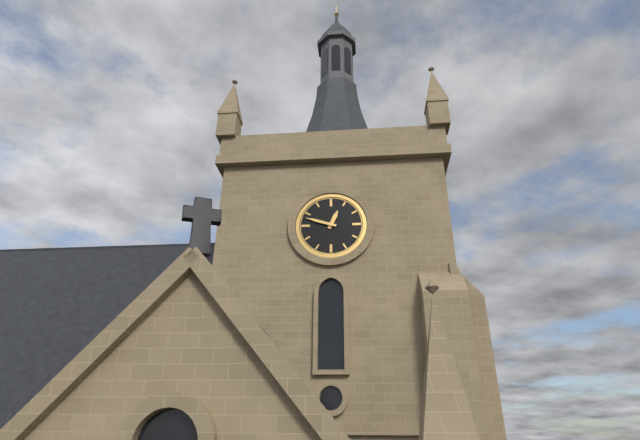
**12:48**
